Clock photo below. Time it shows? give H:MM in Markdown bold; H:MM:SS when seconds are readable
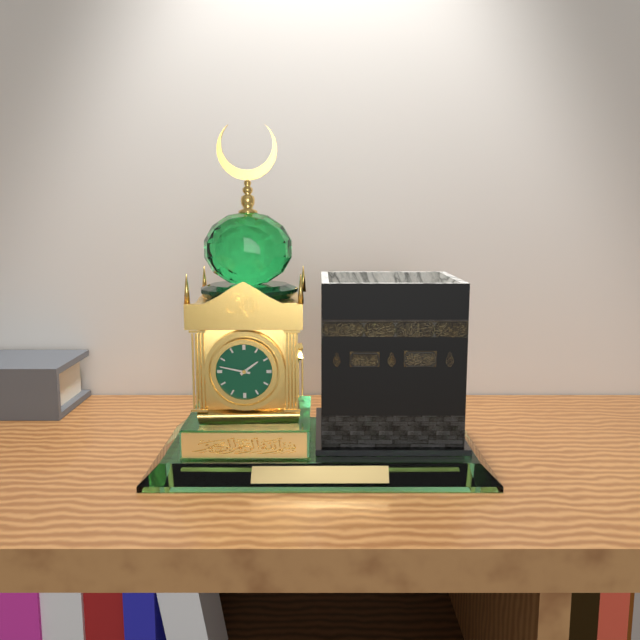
**1:47**
